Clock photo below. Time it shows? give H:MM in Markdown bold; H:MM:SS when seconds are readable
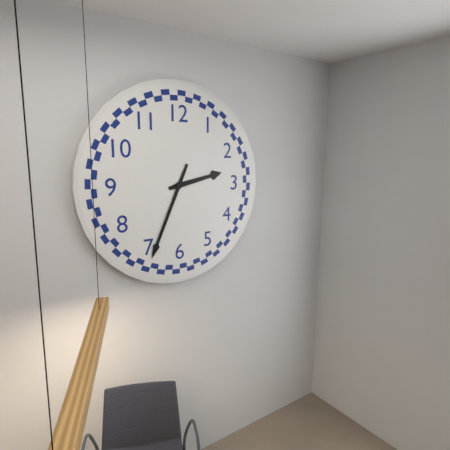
**2:34**
